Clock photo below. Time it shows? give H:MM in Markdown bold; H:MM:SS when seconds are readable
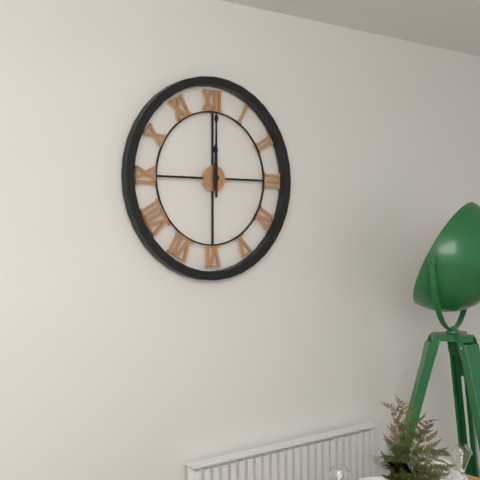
**12:00**
